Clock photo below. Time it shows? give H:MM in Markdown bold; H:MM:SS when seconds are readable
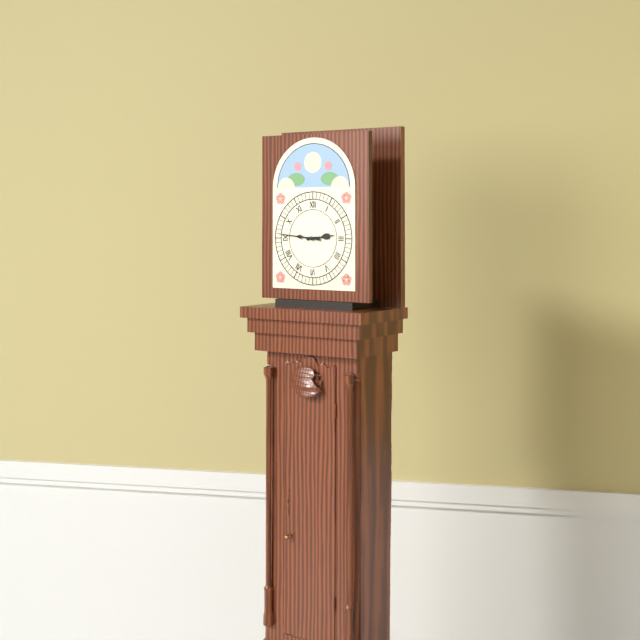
**2:46**
